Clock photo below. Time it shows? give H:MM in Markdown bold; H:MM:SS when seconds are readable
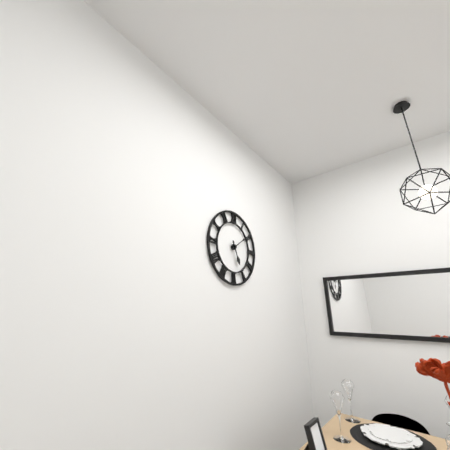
**5:09**
